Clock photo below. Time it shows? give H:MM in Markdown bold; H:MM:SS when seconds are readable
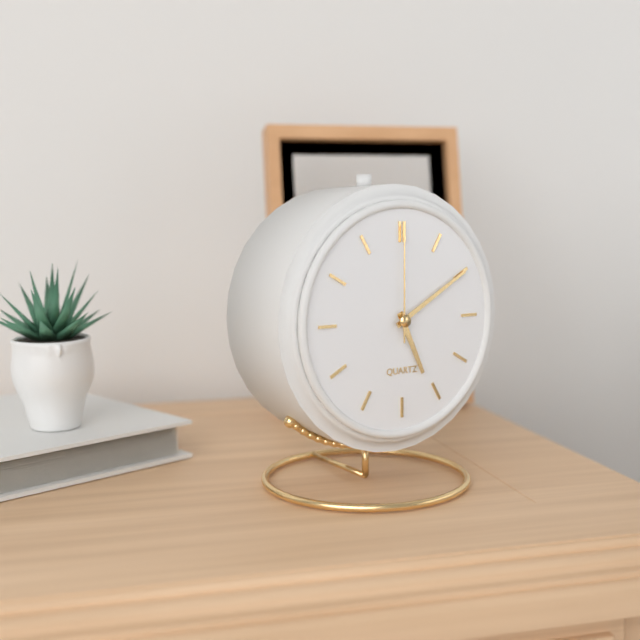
**5:10:00**
